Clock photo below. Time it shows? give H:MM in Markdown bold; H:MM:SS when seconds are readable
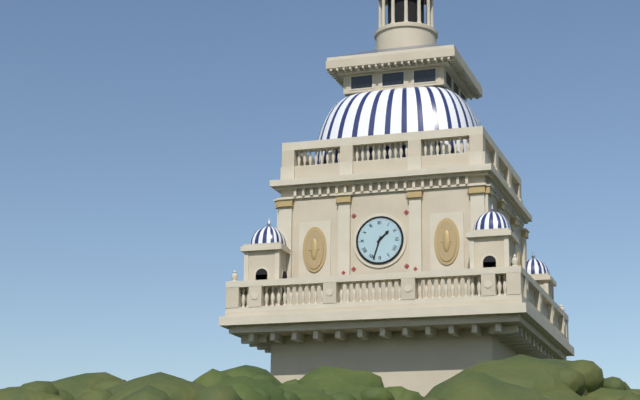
**1:33**
